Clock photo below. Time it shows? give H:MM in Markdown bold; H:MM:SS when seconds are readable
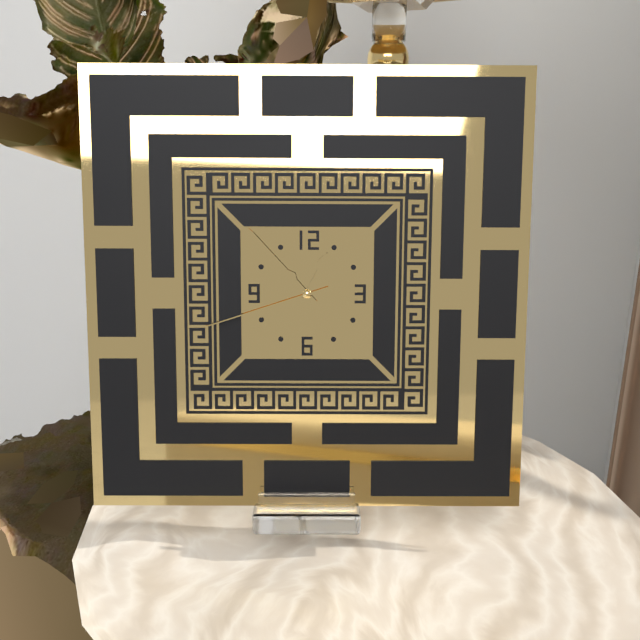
**12:53:42**
